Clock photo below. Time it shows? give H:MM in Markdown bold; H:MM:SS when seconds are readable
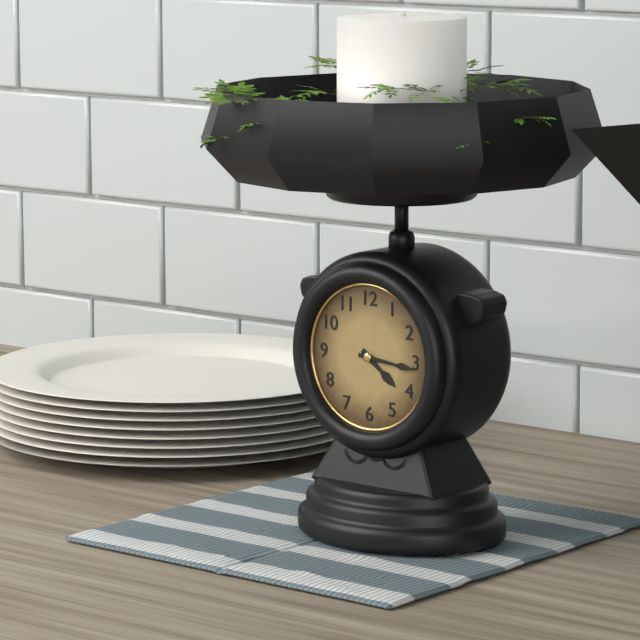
**4:16**
